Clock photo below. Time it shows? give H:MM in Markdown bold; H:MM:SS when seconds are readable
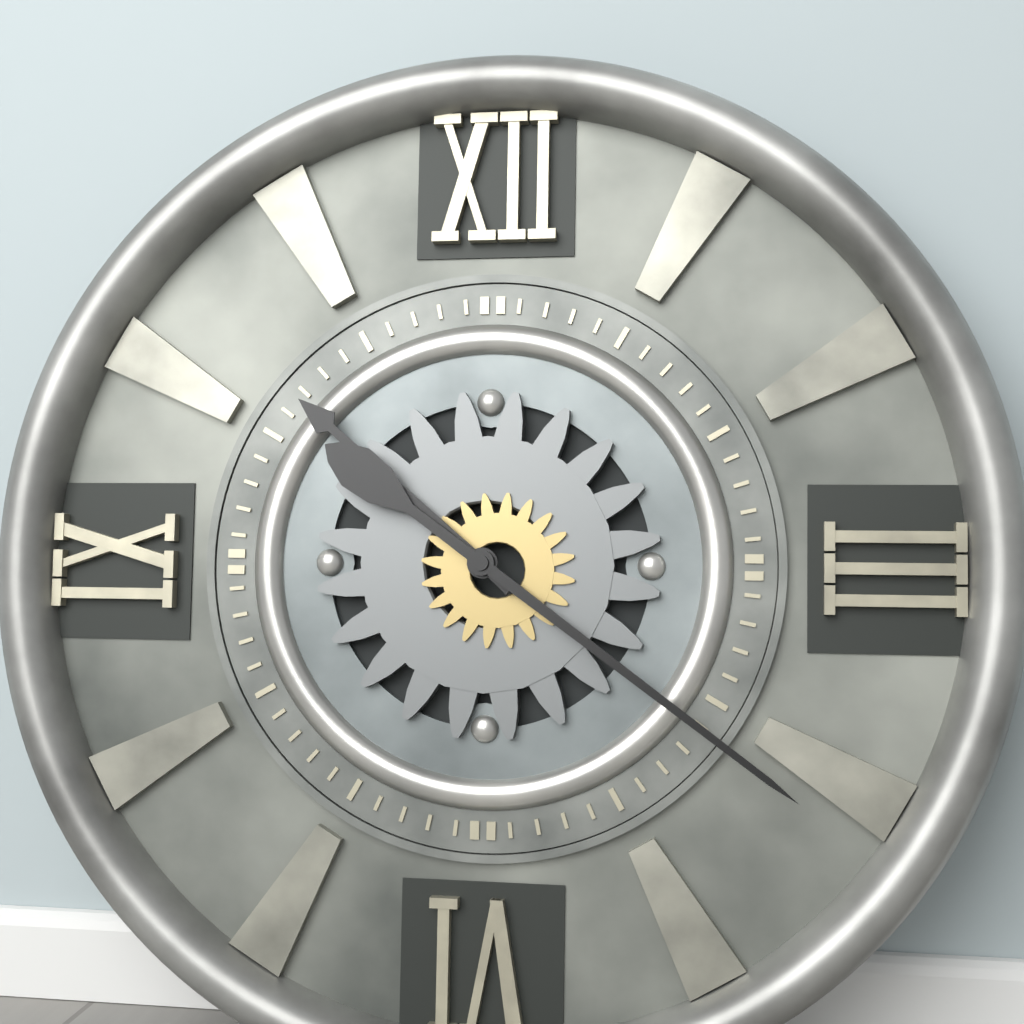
**10:21**
